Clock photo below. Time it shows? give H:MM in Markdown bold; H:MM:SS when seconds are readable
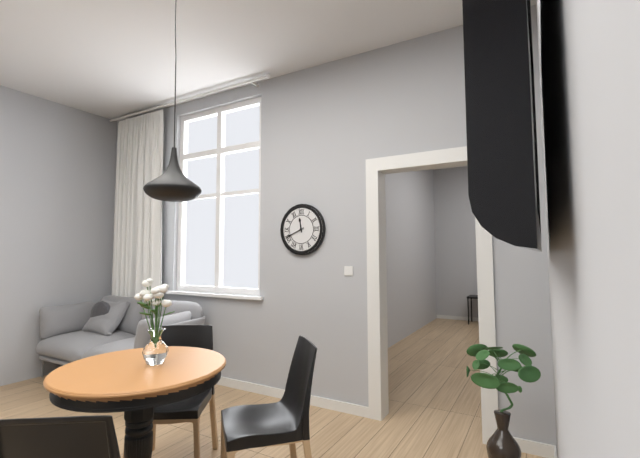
**11:41**
